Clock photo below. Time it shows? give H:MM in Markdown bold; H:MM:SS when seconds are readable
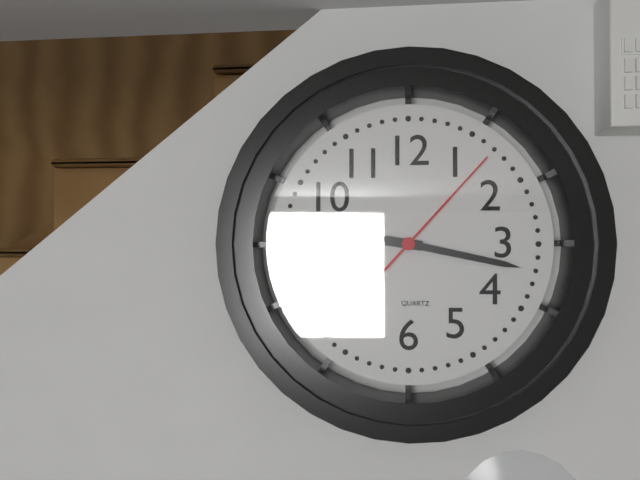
**9:17:07**
